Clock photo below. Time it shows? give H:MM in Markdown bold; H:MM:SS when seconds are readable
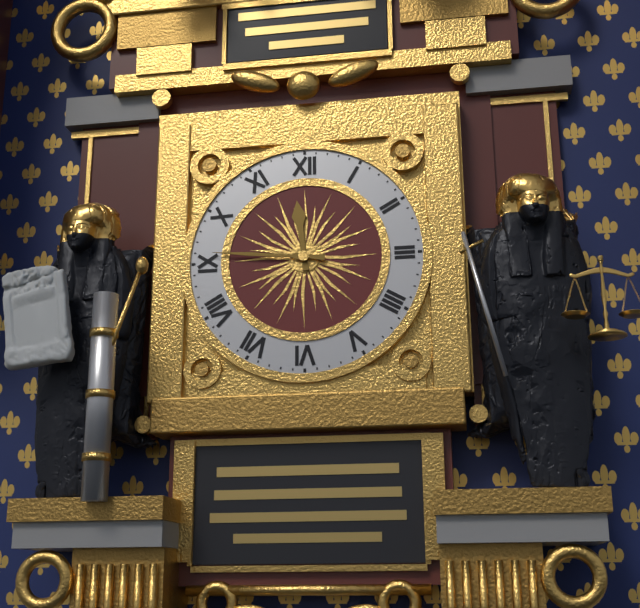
**11:46**
